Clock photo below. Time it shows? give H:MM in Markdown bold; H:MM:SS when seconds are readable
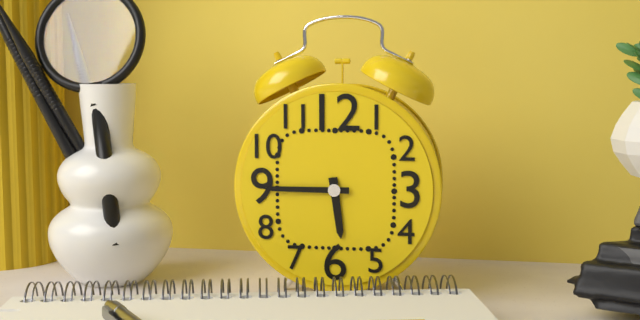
**5:45**
